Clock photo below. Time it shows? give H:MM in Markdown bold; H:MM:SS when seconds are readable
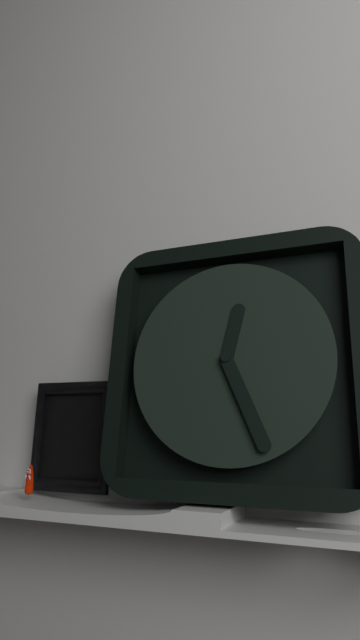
**12:26**
